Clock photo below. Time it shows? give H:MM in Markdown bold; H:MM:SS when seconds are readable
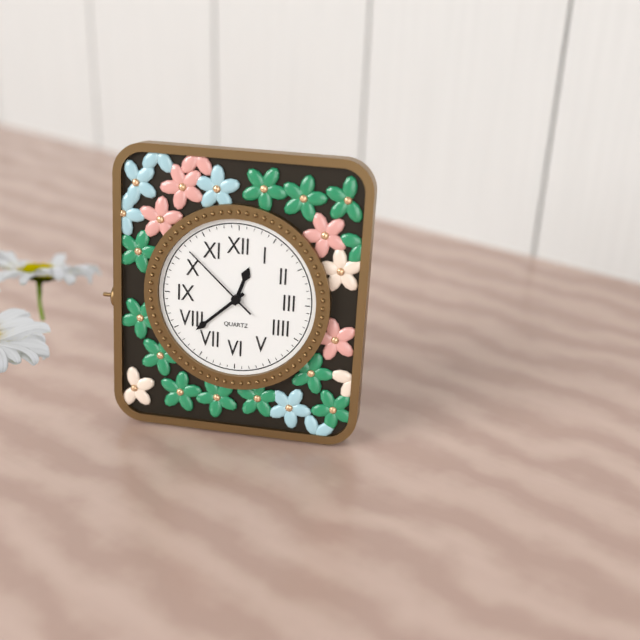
**12:38:52**
